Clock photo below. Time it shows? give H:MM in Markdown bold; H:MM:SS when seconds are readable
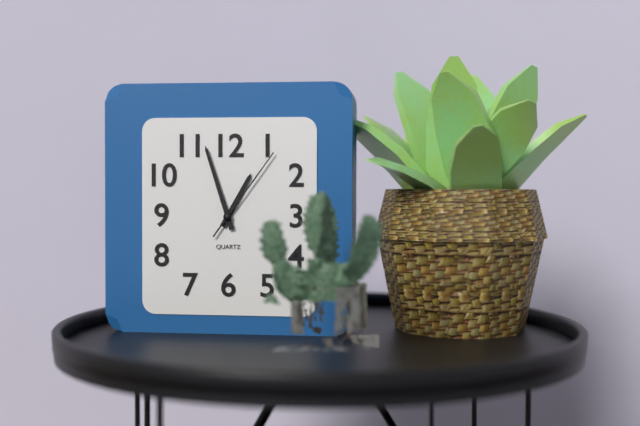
**12:57:06**
